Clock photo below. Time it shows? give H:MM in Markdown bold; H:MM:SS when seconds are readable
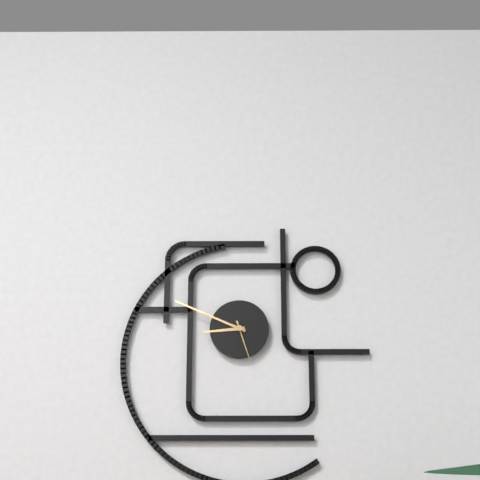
**8:49**
